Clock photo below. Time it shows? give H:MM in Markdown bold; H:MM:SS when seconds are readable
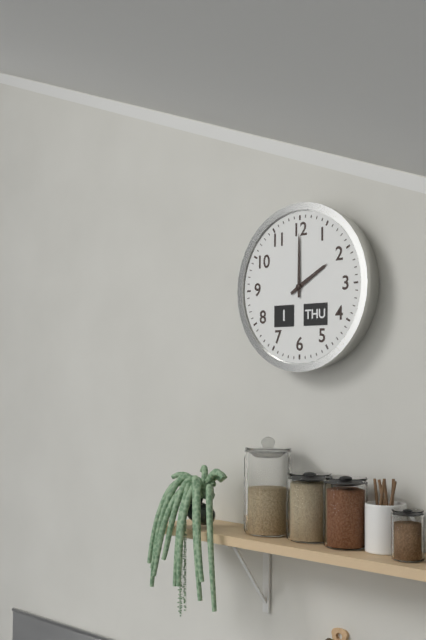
**2:00**
